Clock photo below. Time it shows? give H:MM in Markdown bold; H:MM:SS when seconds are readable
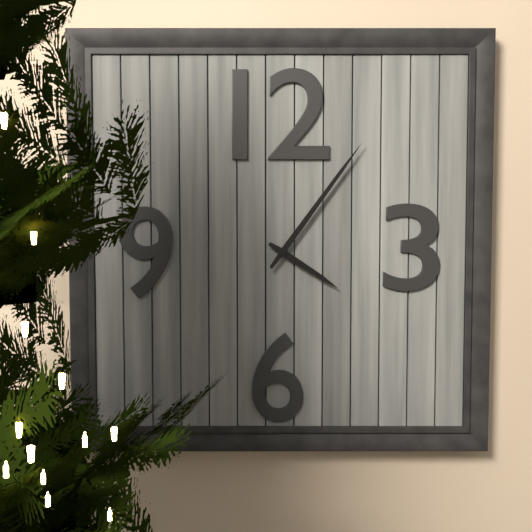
**4:06**
